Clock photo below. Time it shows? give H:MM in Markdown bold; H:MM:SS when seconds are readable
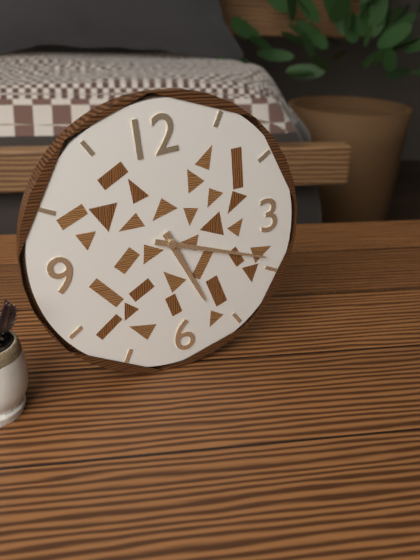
**5:19**
